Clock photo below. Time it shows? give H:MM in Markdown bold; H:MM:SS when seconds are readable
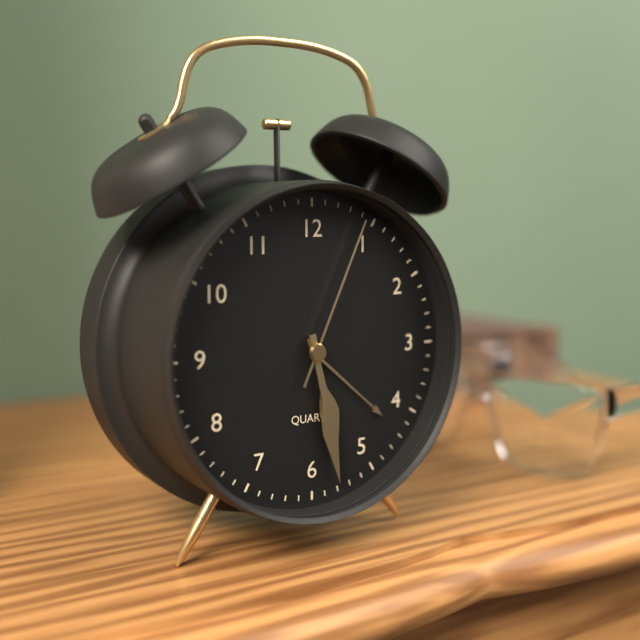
**5:28:04**
